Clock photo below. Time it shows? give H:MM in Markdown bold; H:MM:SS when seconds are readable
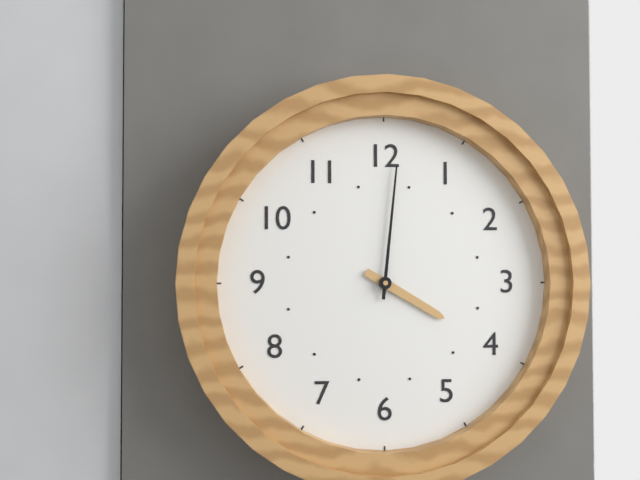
**4:01**
